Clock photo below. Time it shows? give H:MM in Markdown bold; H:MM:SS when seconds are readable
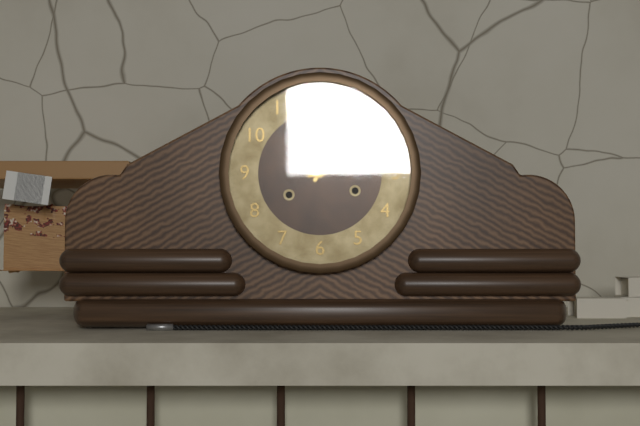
**1:12**
